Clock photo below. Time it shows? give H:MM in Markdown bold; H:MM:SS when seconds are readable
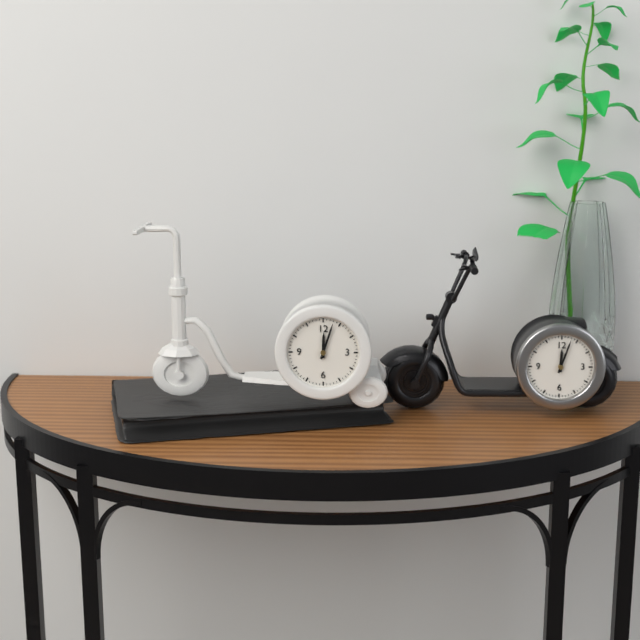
**12:03**
